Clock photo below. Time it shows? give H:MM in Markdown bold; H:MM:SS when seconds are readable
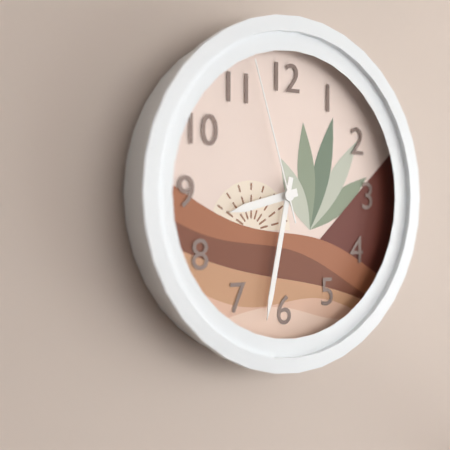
**8:32:57**
